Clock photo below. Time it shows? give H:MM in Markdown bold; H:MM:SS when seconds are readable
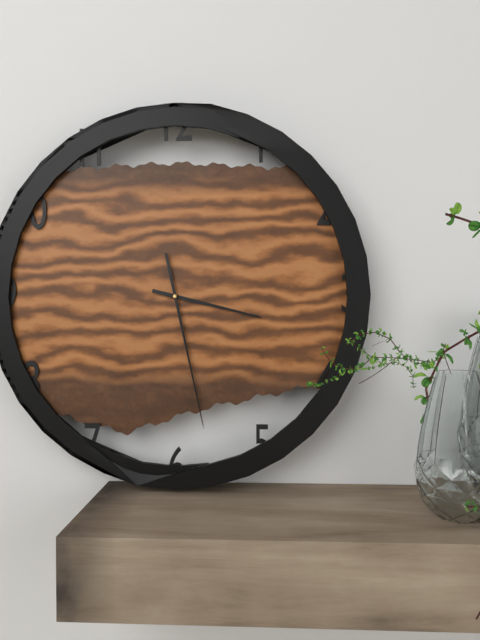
**3:28**
